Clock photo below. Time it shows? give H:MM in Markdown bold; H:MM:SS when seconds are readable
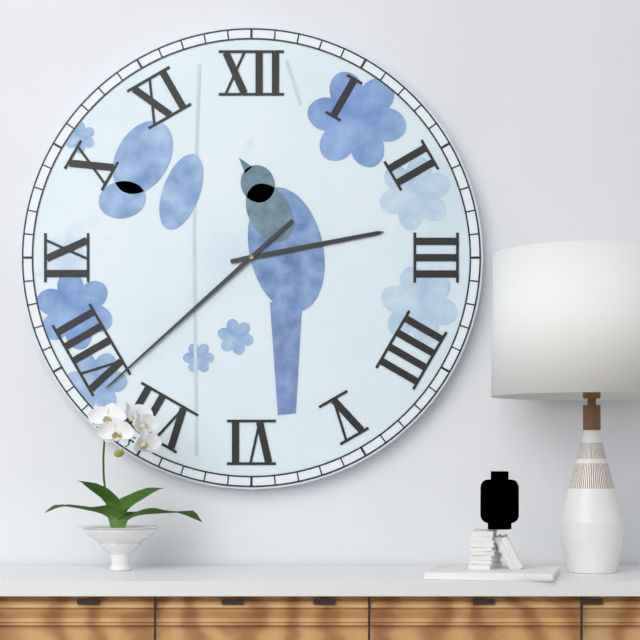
**2:38**
